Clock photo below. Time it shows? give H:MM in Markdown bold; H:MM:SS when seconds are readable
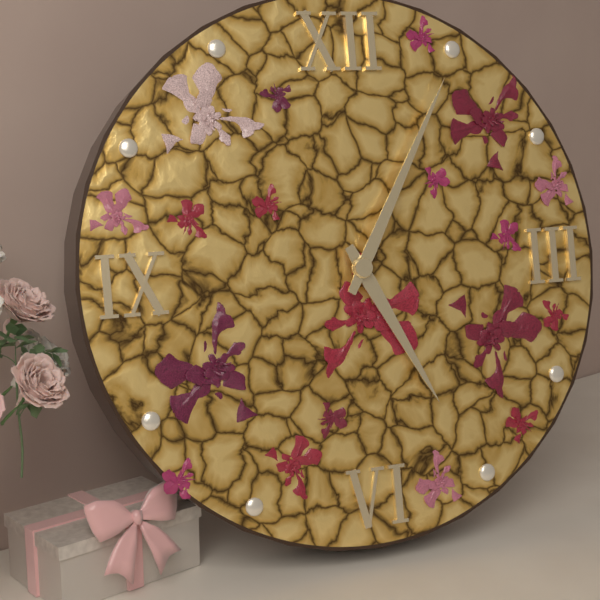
**5:05**
